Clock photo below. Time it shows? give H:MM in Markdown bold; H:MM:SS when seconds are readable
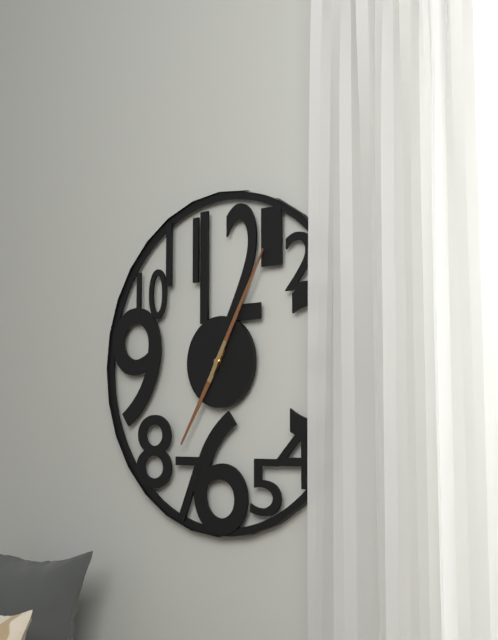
**7:05**
